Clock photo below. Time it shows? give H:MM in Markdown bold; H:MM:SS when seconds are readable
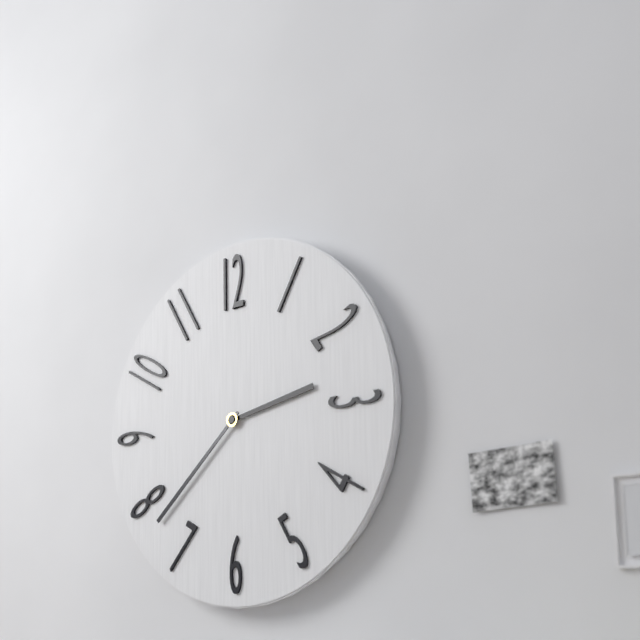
**2:38**
